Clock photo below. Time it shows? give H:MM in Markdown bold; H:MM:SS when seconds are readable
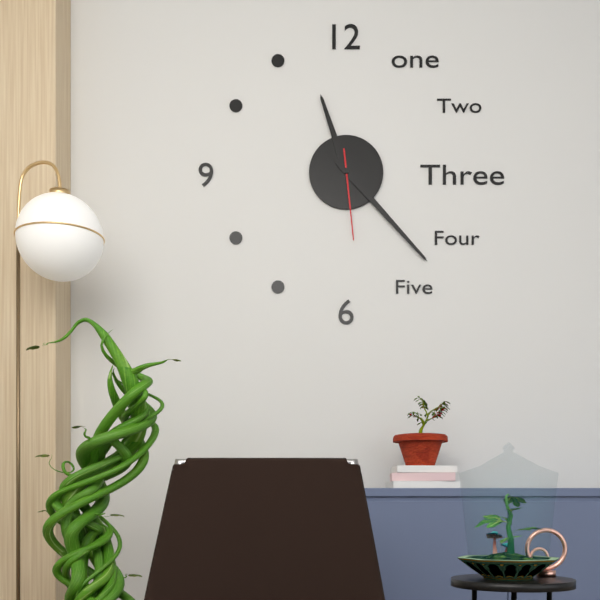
**11:23:29**
